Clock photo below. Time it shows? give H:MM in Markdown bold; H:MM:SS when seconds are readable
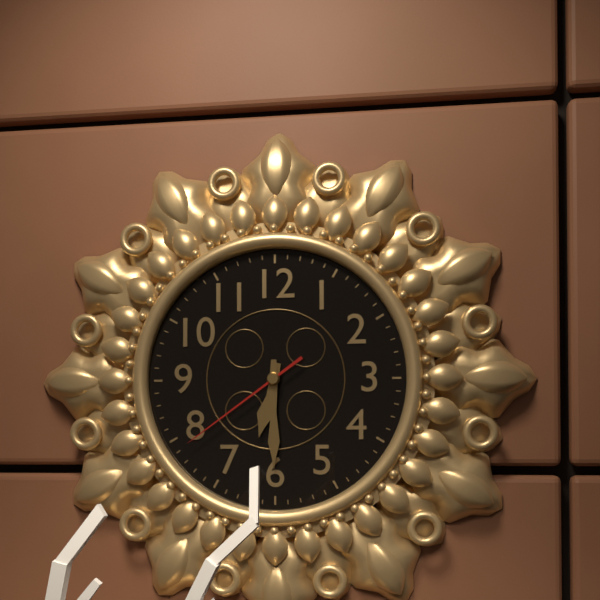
**6:30:39**
